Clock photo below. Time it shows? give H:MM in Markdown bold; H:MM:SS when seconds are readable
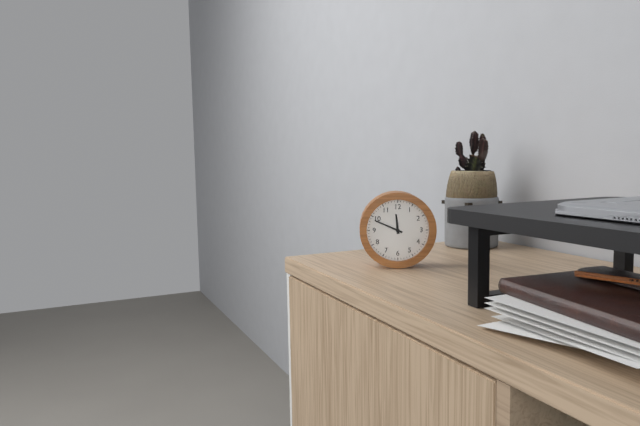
**11:49**
